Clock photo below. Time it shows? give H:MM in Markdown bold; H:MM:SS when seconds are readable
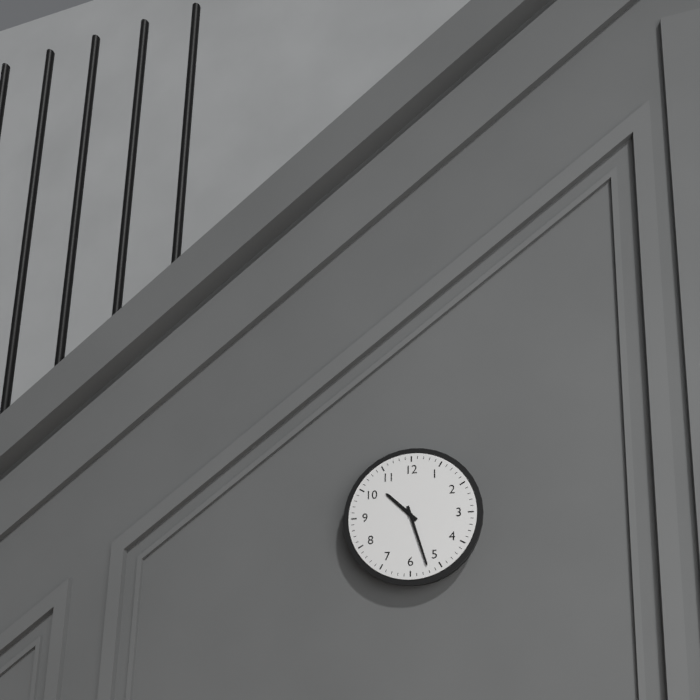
**10:27**
